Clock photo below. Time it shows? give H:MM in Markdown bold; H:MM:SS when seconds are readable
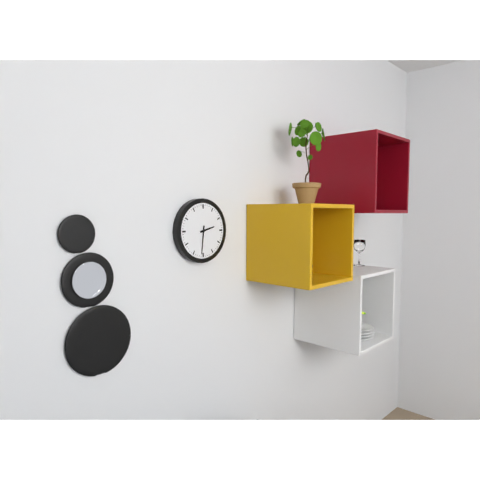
**2:31**
